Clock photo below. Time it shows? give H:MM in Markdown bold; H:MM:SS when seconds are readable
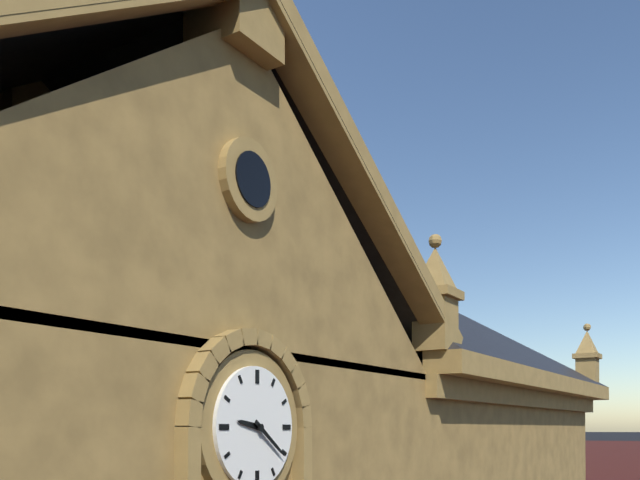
**9:21**
